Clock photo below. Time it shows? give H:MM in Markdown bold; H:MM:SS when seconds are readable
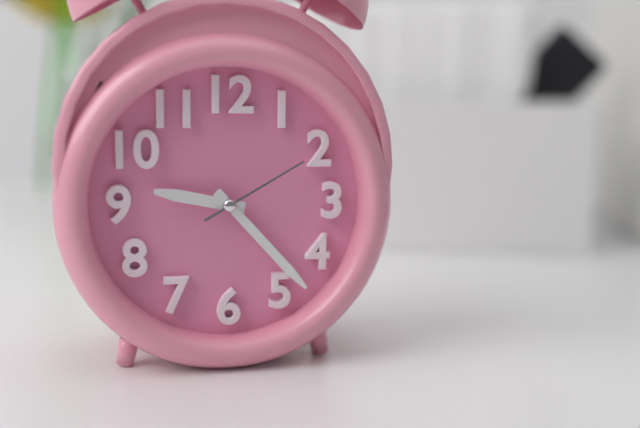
**9:23:10**
